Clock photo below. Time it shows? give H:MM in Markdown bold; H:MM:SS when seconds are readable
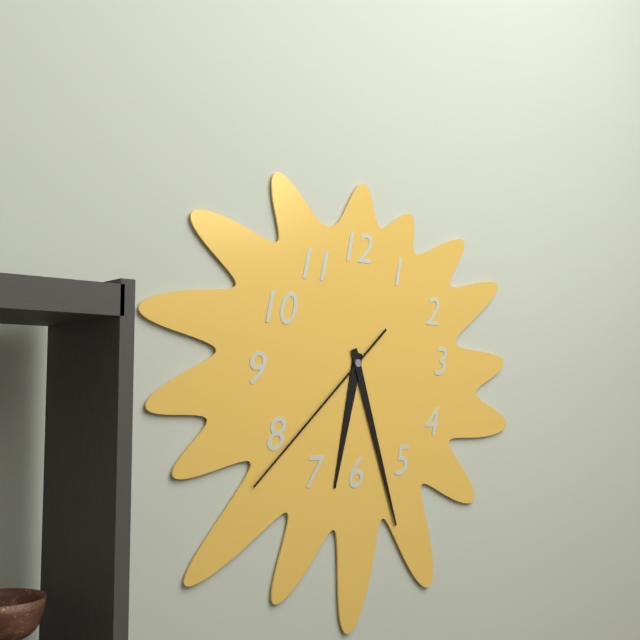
**6:27:38**
